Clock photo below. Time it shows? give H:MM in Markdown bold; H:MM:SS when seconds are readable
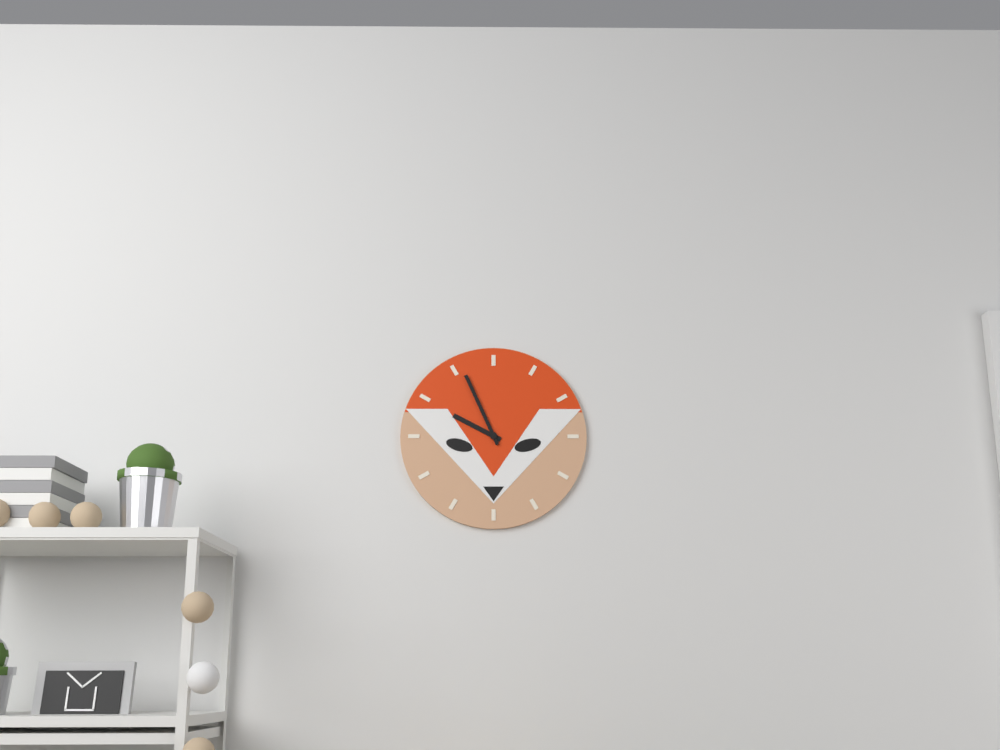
**9:56**
